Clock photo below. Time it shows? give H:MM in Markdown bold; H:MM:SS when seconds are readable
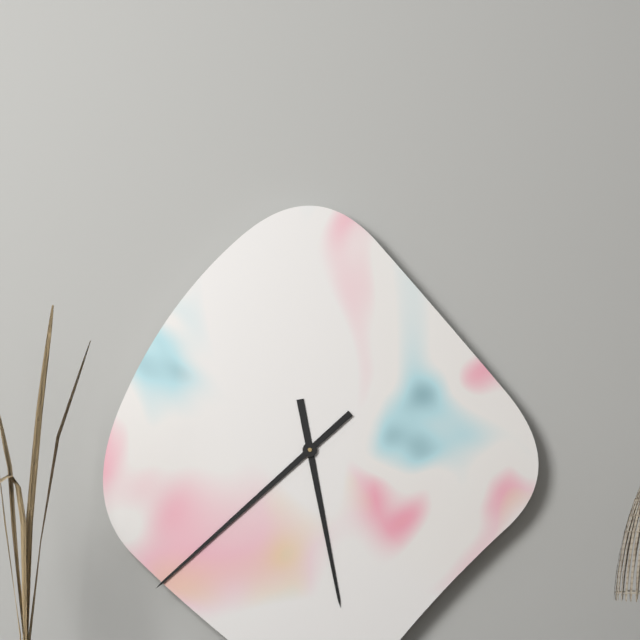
**5:38**
